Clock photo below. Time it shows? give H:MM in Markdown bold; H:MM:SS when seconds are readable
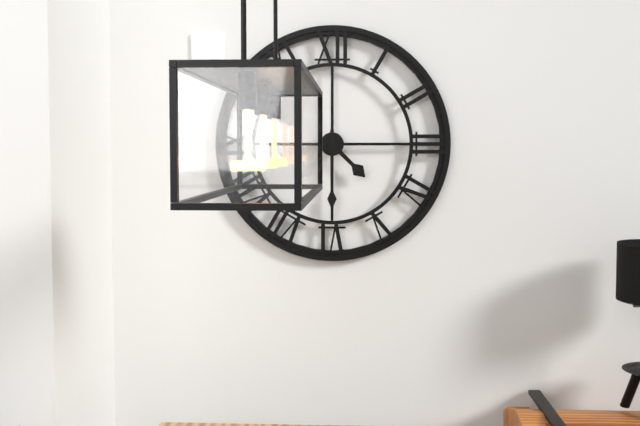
**4:30**
